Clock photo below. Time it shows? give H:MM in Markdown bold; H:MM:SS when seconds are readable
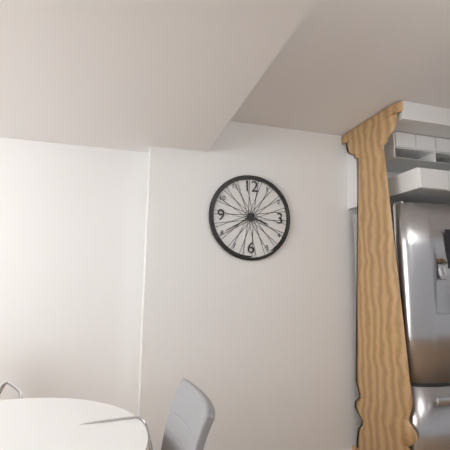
**3:40**
